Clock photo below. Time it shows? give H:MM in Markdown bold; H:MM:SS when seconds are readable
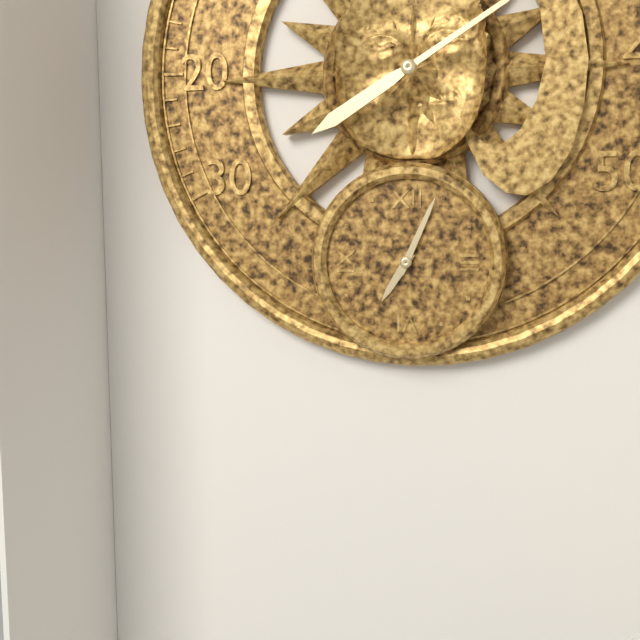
**7:04**
